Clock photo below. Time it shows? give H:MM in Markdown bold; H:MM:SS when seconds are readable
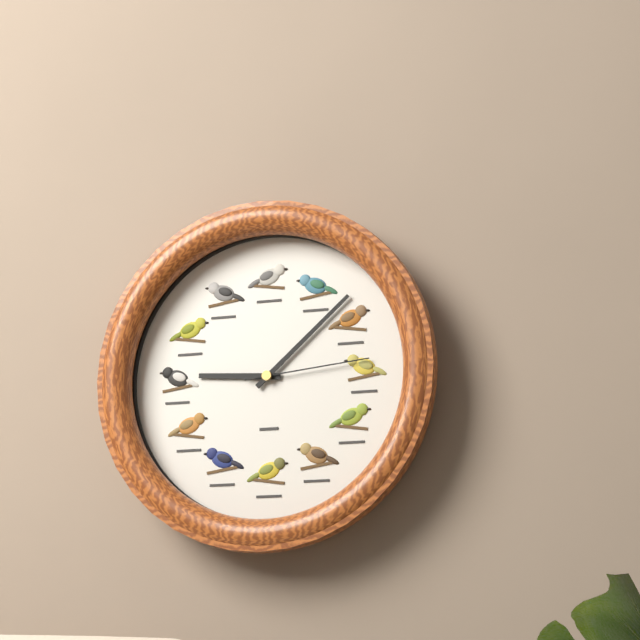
**9:08:14**
